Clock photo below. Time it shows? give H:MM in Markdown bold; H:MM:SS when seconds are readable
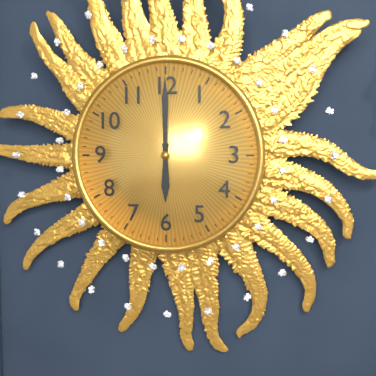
**6:00**
